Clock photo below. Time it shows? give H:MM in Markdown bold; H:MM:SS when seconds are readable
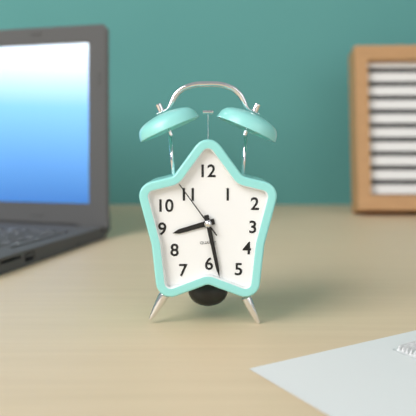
**8:28:54**
